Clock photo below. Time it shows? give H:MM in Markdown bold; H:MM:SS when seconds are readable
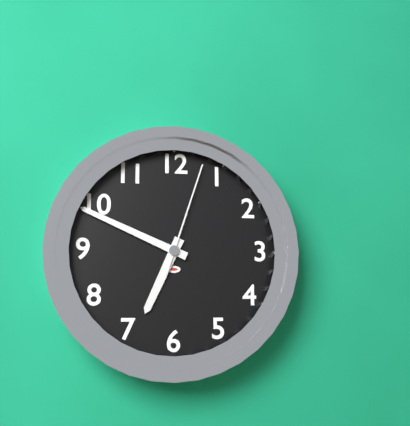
**6:49:03**
